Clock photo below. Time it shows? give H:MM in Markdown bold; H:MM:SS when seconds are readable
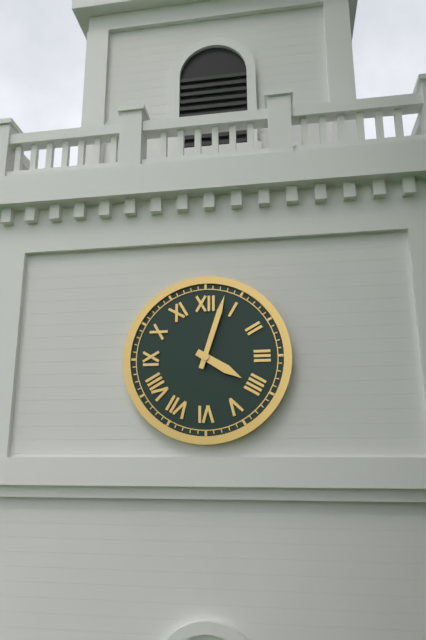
**4:03**
